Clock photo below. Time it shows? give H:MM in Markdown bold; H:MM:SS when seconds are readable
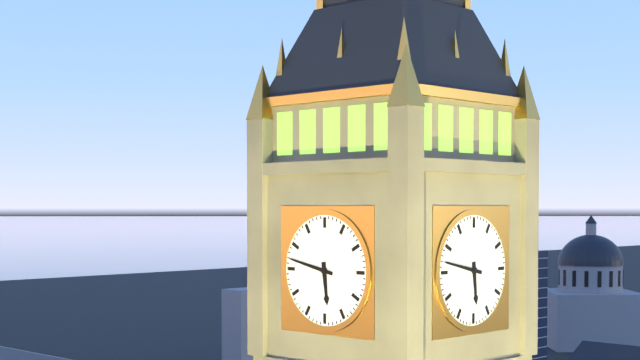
**5:47**
